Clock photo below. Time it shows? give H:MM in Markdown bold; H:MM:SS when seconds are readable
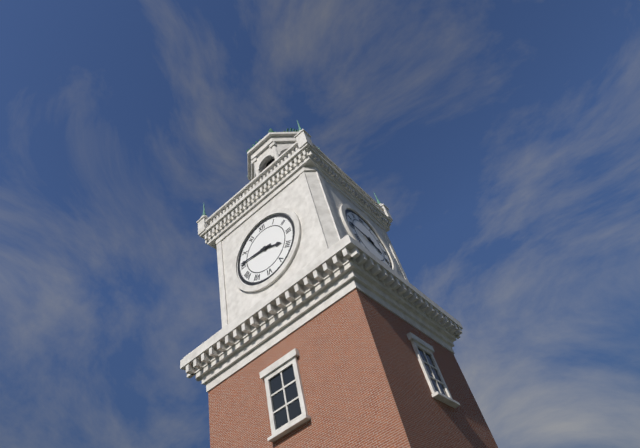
**3:46**
